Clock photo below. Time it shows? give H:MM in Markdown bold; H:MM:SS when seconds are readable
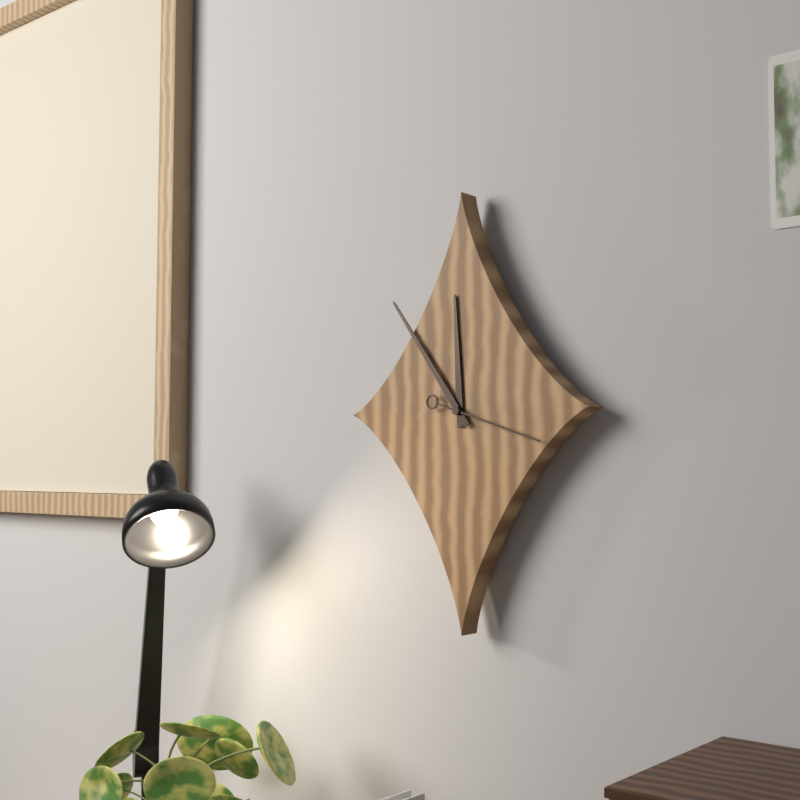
**11:54:18**
